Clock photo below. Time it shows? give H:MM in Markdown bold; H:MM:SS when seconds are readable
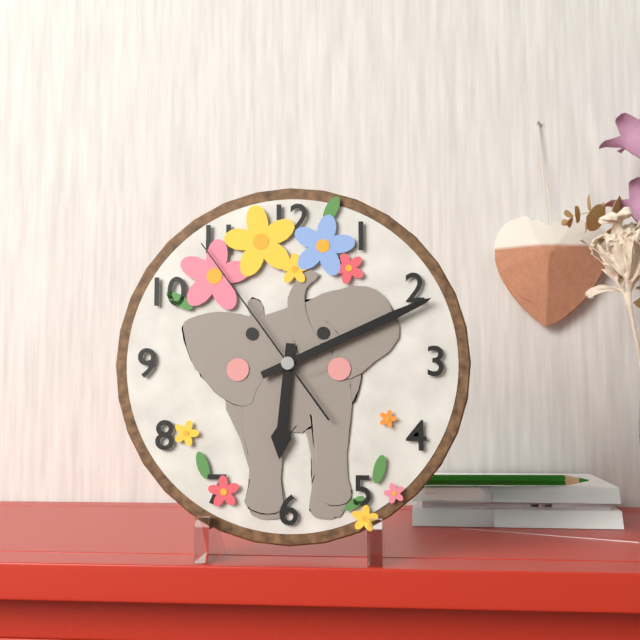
**6:11:54**
